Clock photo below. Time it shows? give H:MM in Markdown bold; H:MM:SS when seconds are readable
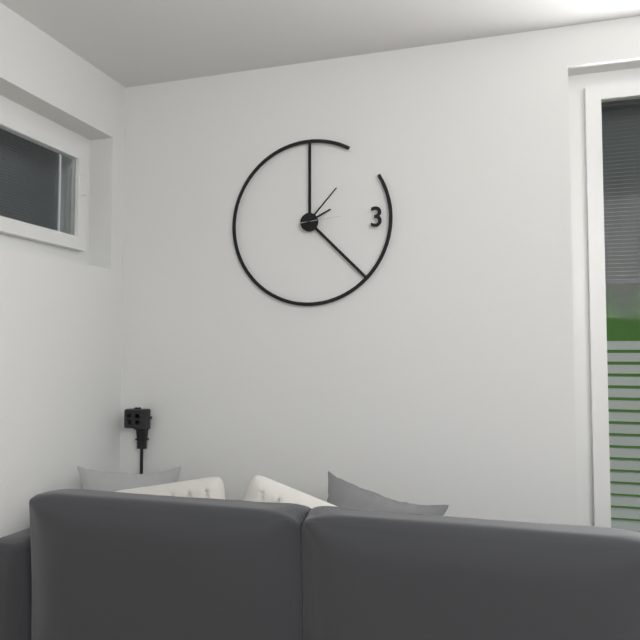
**2:07**
